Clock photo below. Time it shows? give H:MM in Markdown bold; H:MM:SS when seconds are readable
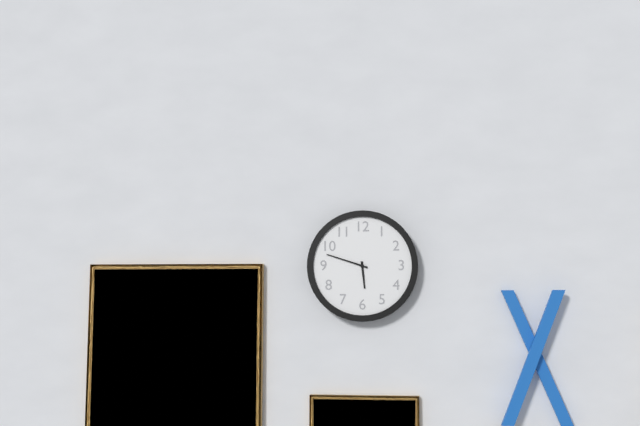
**5:48**
